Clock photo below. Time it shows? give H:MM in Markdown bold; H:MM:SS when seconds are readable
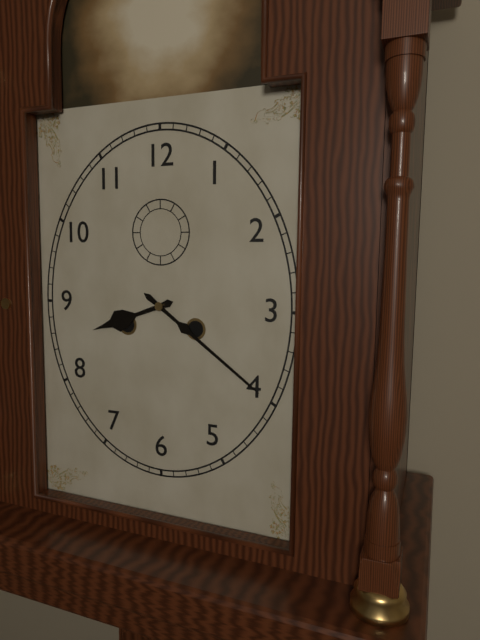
**8:21**
